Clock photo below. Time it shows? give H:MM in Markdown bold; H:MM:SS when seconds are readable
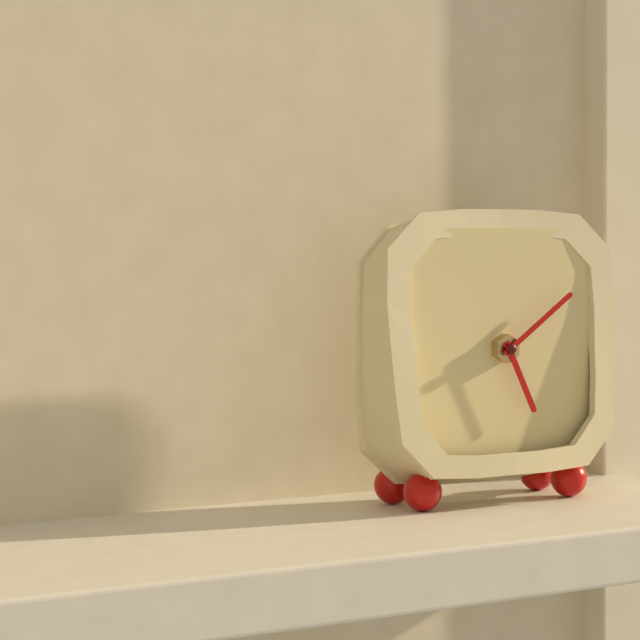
**5:09**
